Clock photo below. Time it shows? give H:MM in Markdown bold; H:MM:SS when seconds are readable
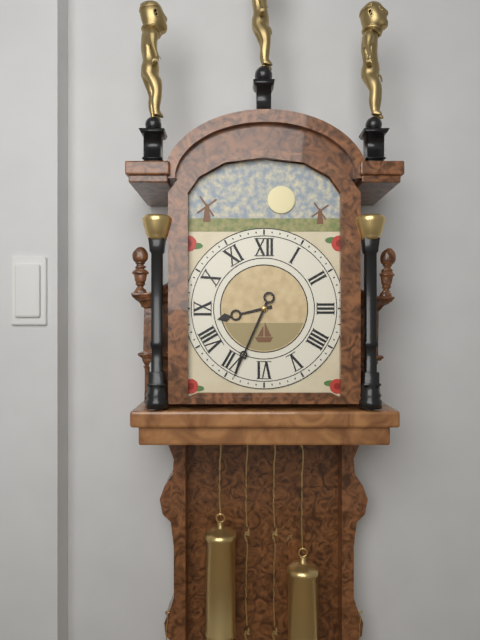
**8:34**
